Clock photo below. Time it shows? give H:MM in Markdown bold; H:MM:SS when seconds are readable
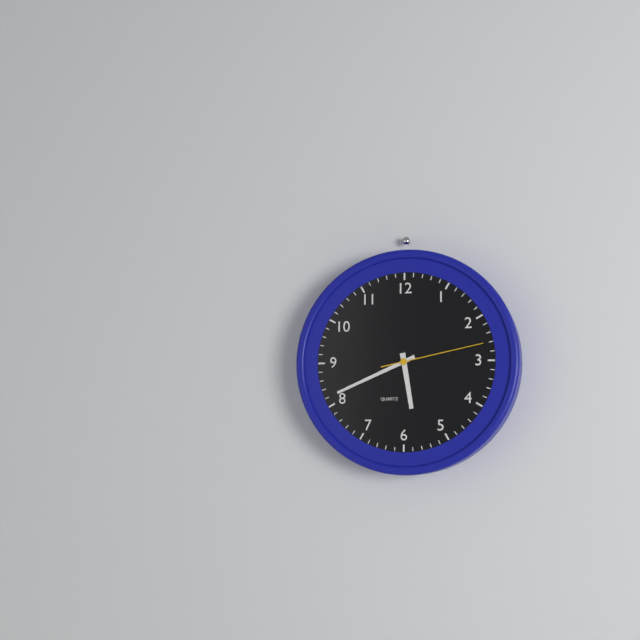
**5:41:13**
